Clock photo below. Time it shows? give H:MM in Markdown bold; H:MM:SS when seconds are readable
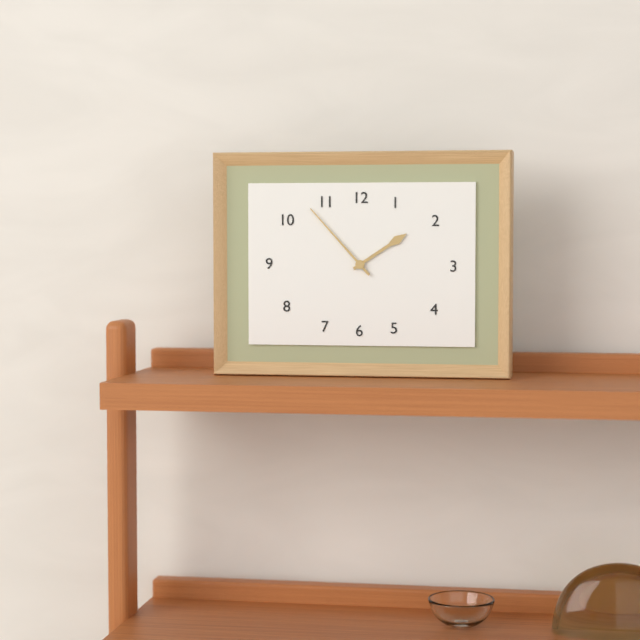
**1:53**
